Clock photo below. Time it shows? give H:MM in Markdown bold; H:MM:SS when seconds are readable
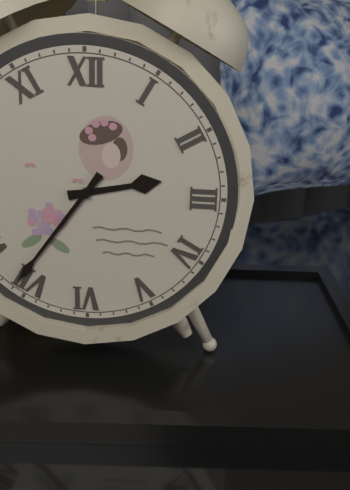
**2:36**
